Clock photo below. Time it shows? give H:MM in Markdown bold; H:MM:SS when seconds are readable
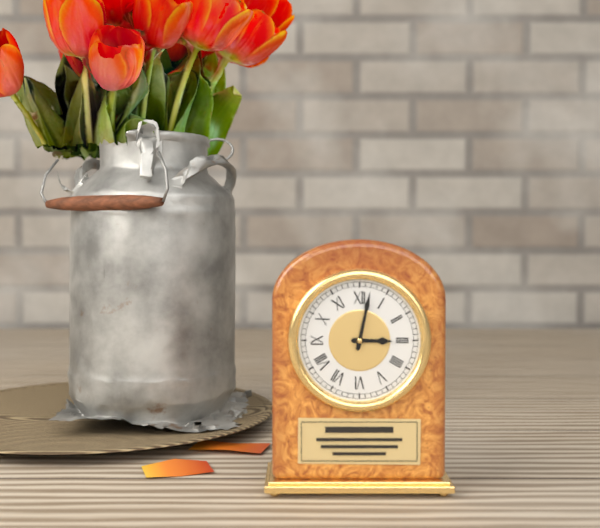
**3:02**
